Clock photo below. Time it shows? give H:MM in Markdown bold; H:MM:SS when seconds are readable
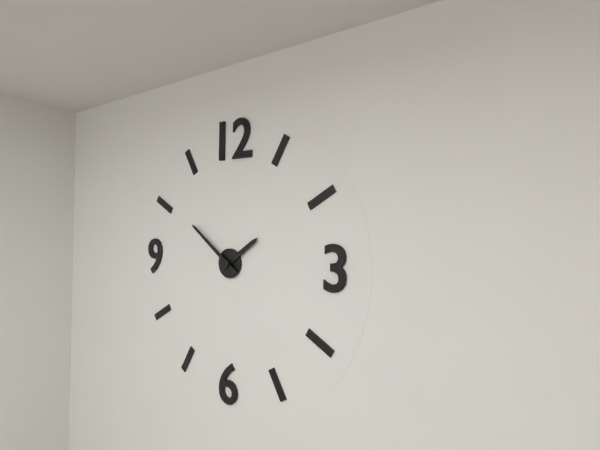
**1:51**
